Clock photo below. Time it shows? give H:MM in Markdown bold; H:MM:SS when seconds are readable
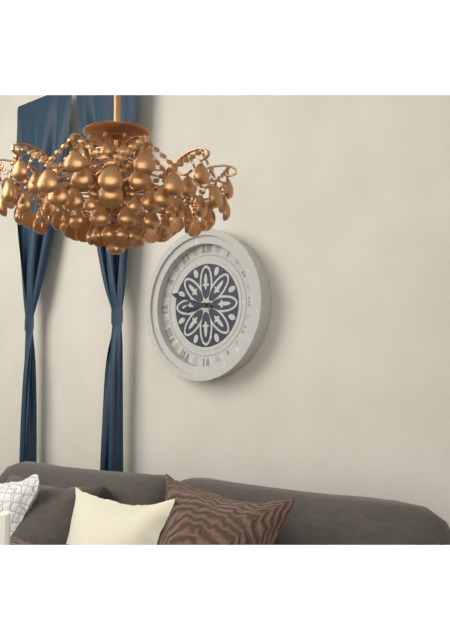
**8:48**
